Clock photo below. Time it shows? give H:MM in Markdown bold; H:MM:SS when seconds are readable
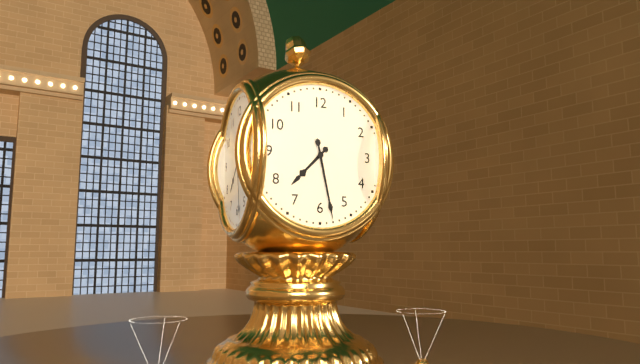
**7:28**
